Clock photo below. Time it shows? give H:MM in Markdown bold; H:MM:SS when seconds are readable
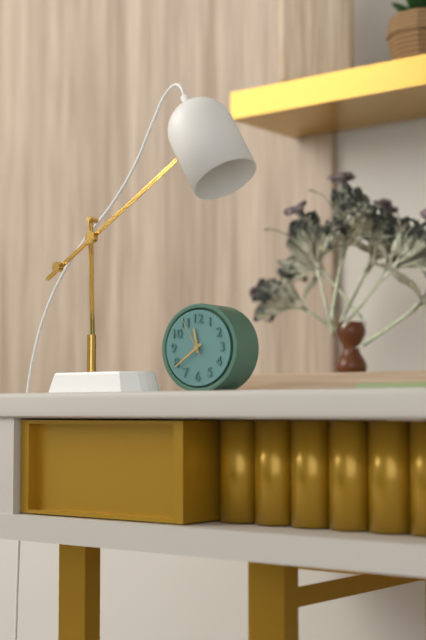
**11:39**
